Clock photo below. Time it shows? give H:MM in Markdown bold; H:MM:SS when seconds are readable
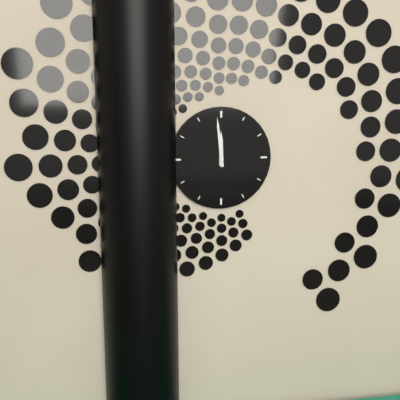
**11:59**
